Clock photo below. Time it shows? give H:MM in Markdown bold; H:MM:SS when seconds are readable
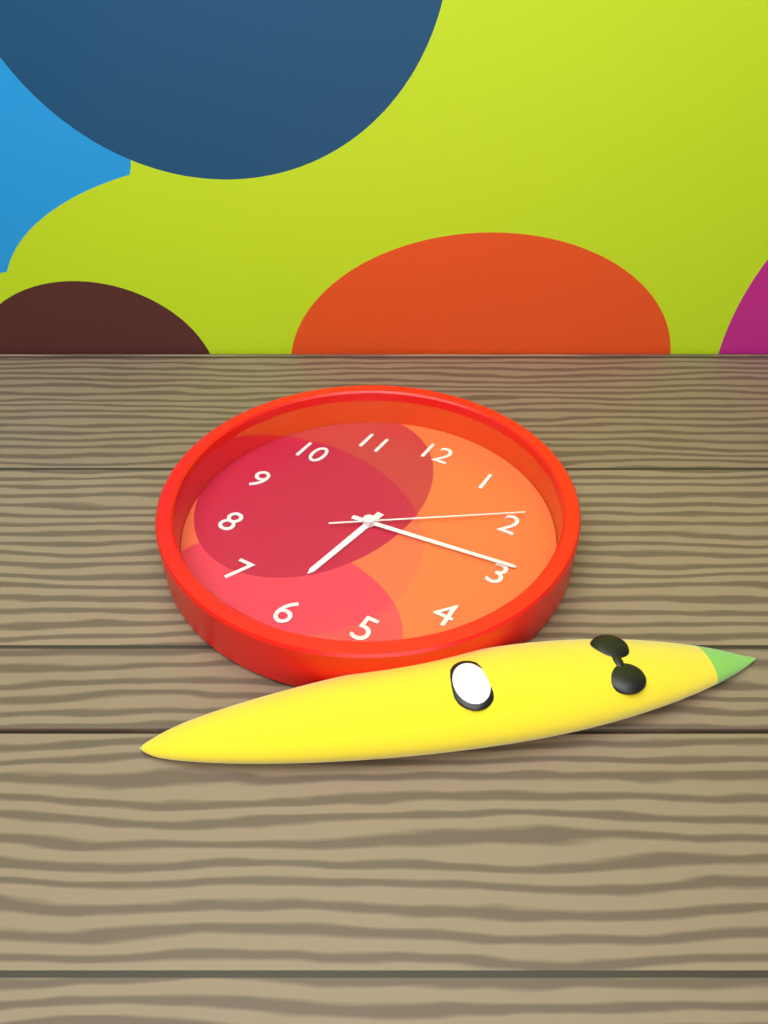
**6:14:09**
